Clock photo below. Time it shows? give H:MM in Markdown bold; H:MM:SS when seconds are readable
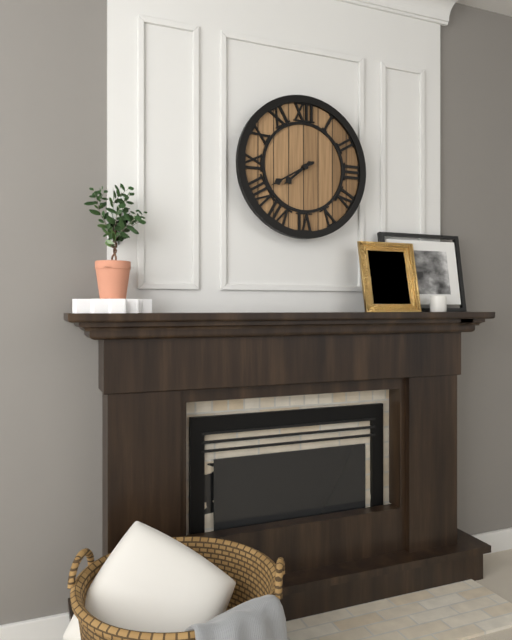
**7:40**
